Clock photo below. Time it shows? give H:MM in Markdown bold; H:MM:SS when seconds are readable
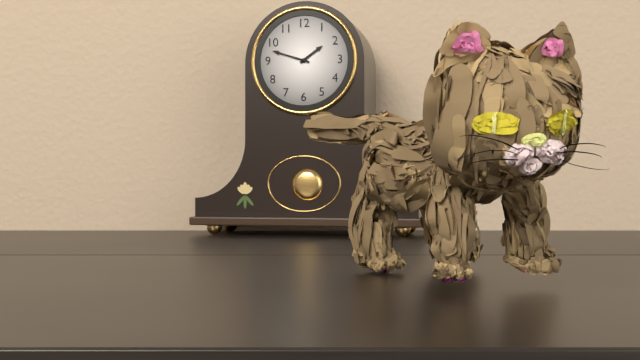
**1:48**
